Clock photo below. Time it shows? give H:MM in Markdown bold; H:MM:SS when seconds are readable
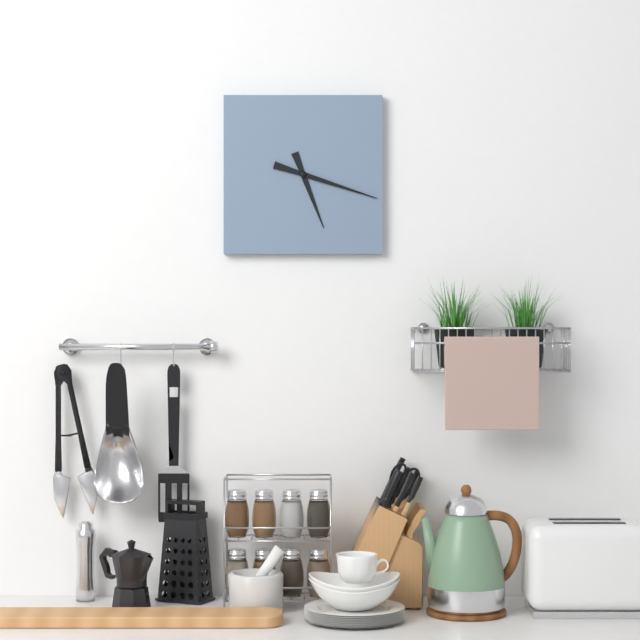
**5:18**
